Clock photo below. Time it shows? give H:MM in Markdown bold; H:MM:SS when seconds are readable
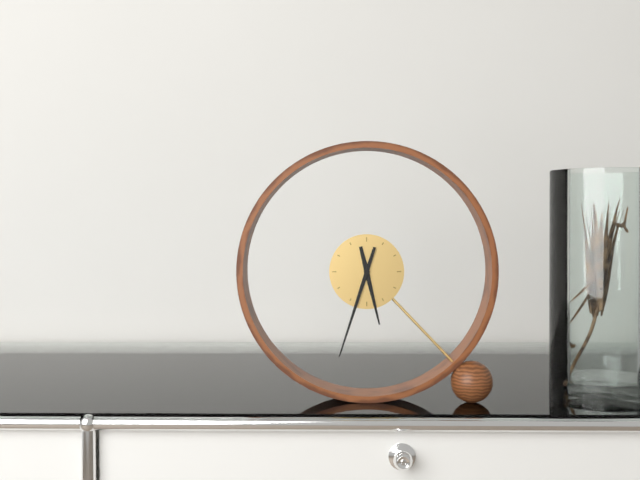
**5:33**
